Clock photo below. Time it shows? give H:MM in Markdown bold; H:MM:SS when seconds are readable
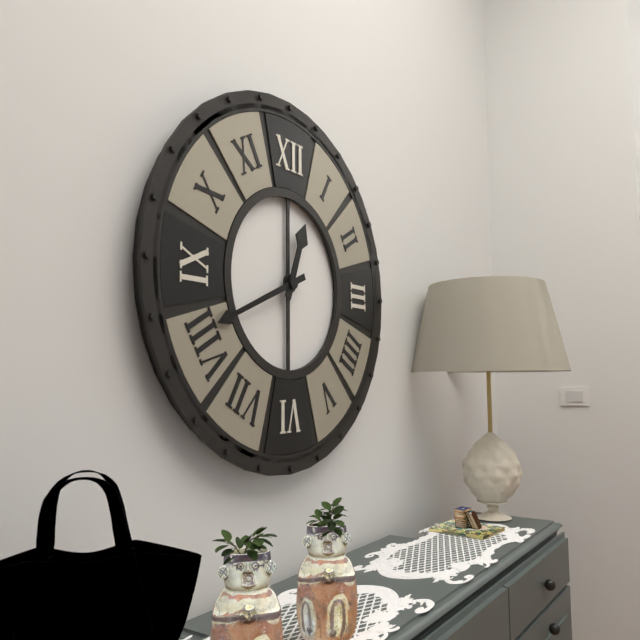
**12:41**
